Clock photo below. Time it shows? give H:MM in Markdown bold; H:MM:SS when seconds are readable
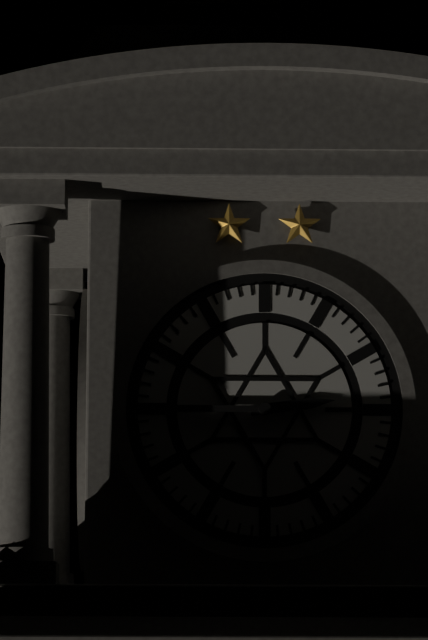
**2:45**
